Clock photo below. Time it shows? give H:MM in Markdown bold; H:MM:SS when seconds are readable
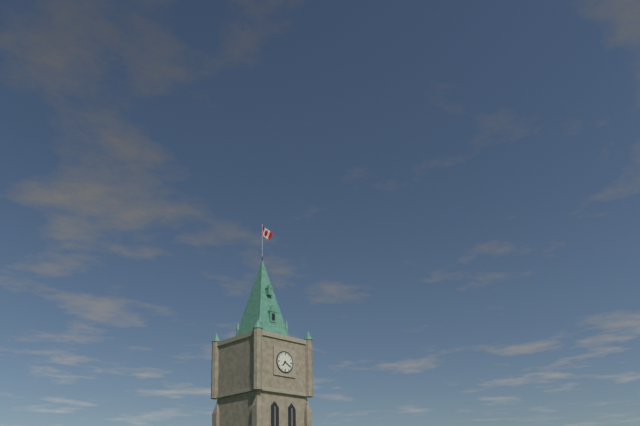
**7:20**
